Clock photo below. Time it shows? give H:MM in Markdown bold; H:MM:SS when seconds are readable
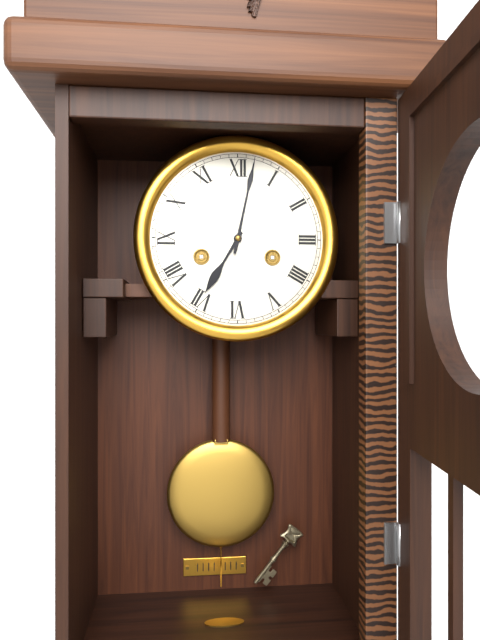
**7:02**
